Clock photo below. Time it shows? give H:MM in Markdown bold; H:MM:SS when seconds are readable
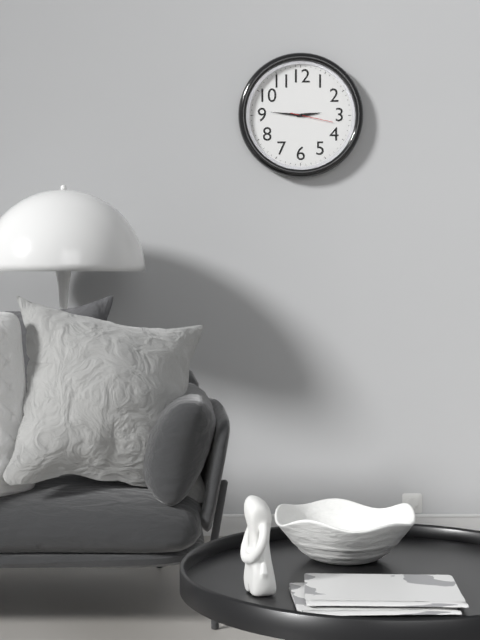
**2:46**
